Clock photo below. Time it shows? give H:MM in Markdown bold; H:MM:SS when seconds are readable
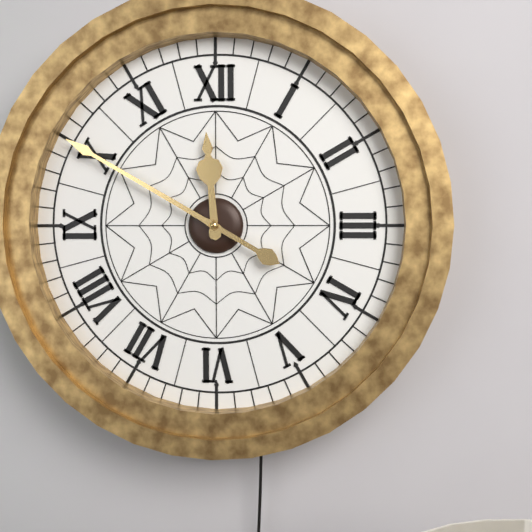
**11:50**
